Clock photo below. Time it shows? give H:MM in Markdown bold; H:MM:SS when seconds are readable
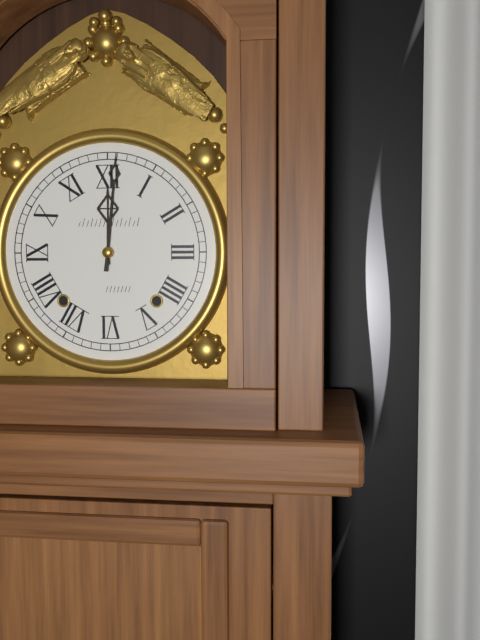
**12:01**
